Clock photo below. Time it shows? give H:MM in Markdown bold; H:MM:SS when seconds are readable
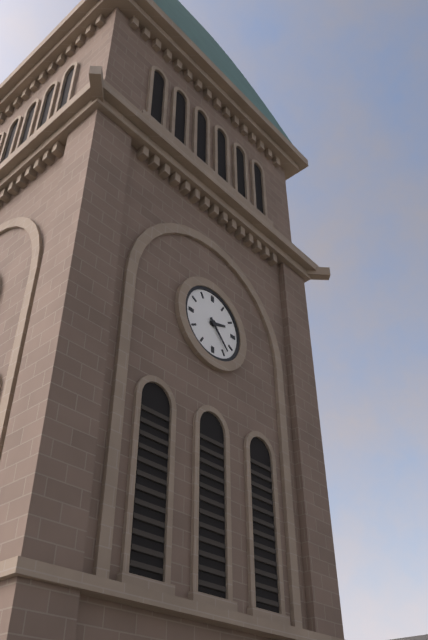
**2:23**
